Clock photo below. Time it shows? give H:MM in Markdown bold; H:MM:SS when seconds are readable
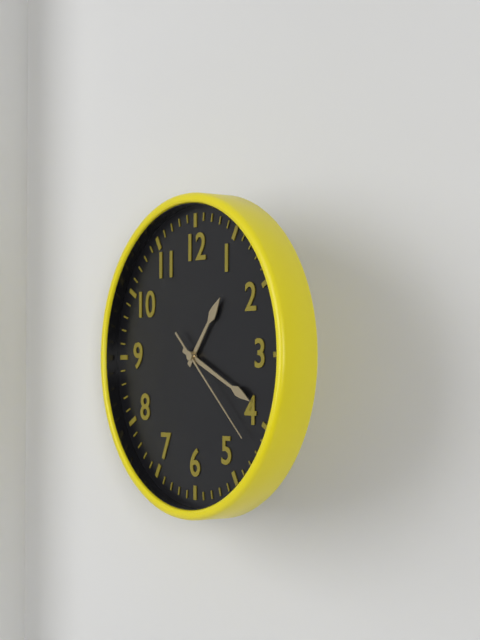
**1:19:22**
